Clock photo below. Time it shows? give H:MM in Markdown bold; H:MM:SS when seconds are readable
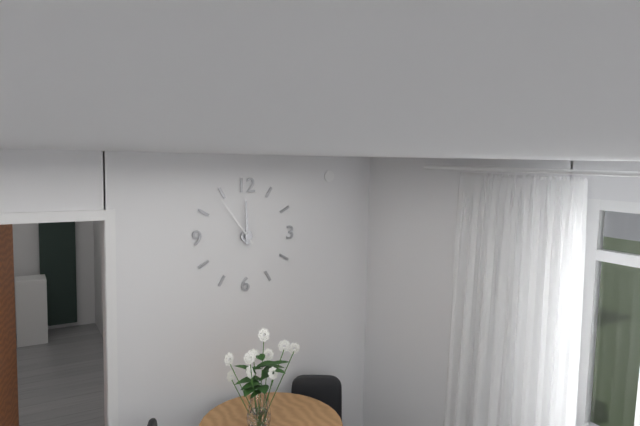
**11:54**
